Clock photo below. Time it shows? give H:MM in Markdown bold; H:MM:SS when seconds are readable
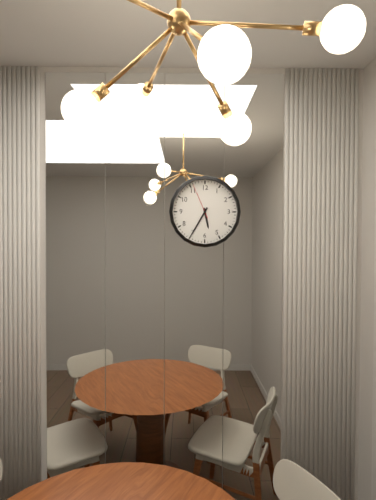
**5:35**
